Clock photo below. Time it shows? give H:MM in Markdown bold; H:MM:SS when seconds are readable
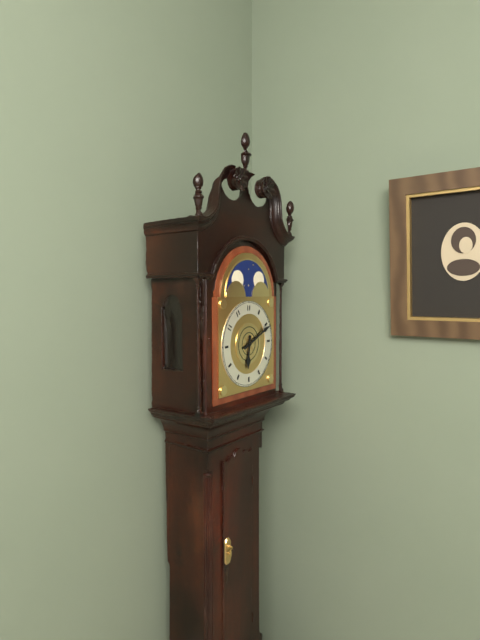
**6:11**
